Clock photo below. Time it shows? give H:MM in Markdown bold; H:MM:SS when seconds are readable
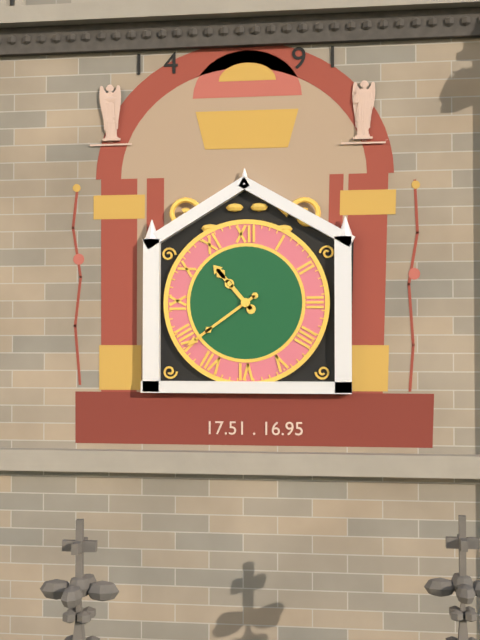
**10:39**
